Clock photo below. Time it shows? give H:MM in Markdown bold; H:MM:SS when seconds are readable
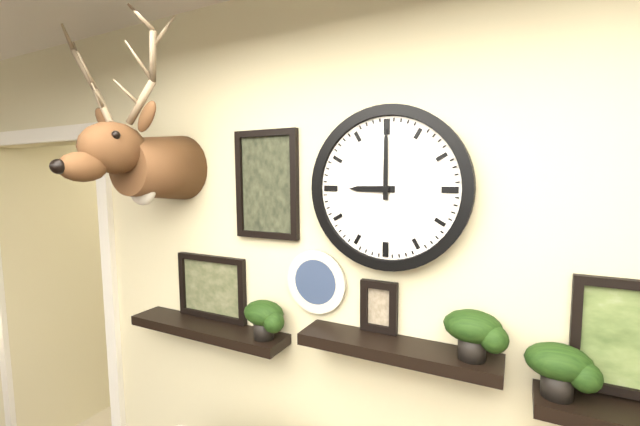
**9:00**
